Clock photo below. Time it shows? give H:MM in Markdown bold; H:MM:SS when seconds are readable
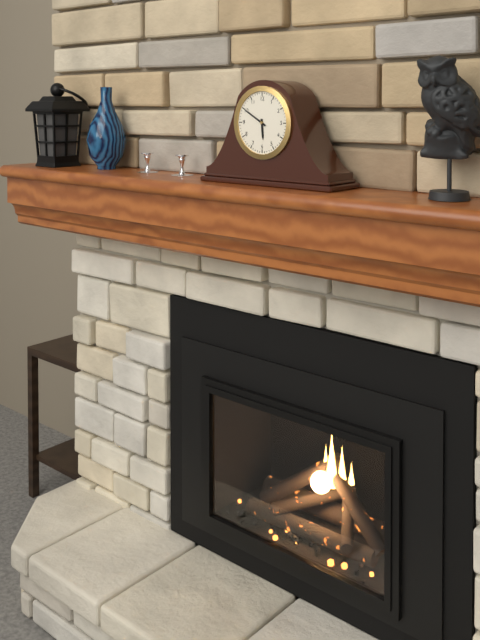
**5:50**
